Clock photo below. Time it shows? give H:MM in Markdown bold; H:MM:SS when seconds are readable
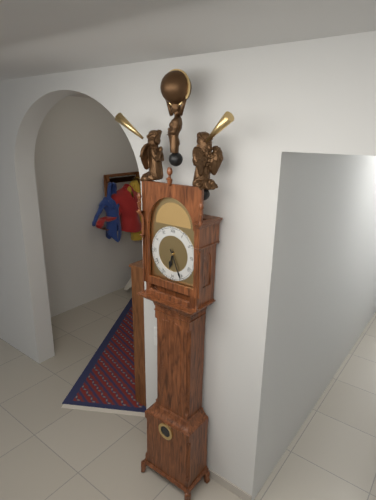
**6:26**
